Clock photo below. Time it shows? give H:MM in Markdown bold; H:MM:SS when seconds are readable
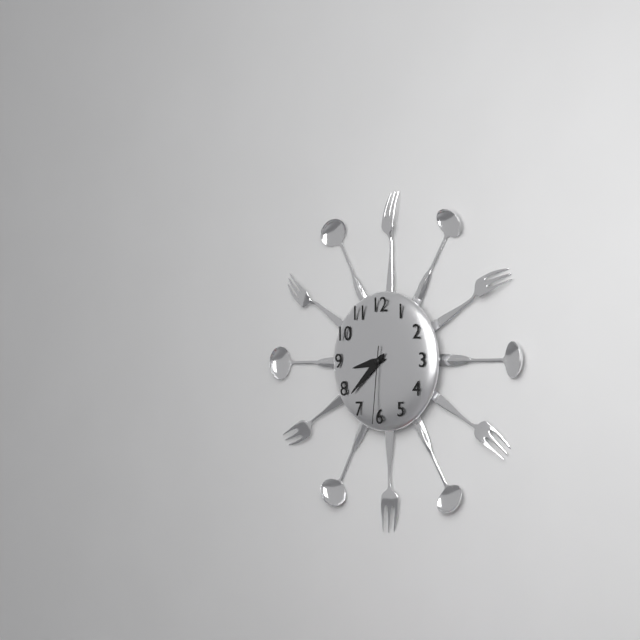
**8:38:31**
